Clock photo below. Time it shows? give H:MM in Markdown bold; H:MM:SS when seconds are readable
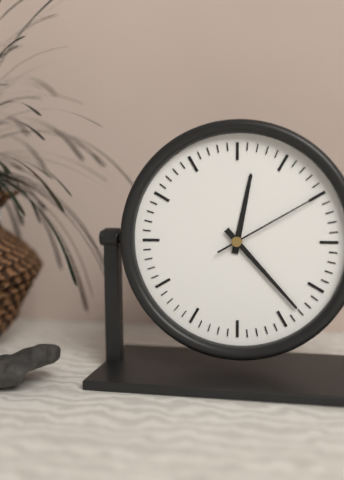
**12:23:10**
